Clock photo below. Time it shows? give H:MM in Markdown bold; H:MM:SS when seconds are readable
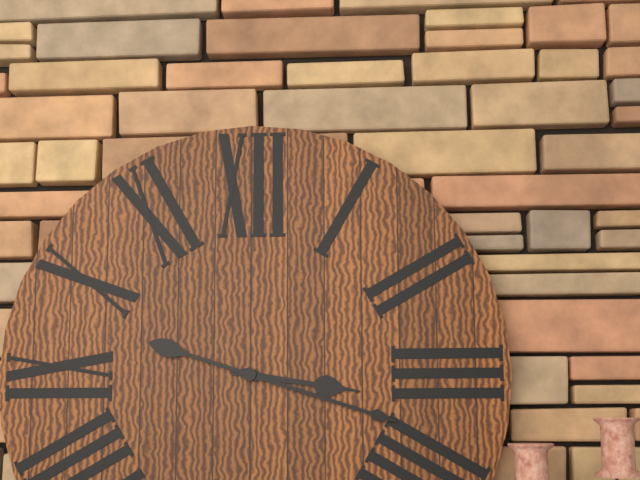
**3:18**
